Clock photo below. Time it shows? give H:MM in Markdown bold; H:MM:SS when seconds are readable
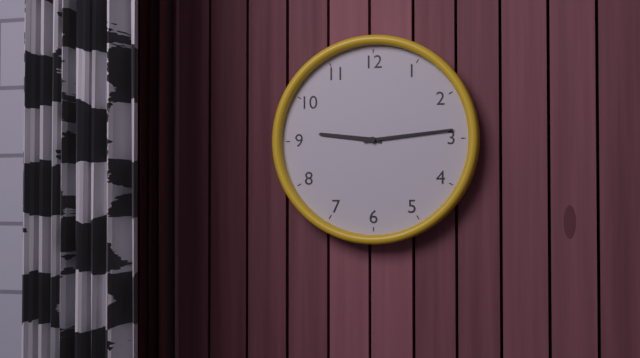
**9:14**
